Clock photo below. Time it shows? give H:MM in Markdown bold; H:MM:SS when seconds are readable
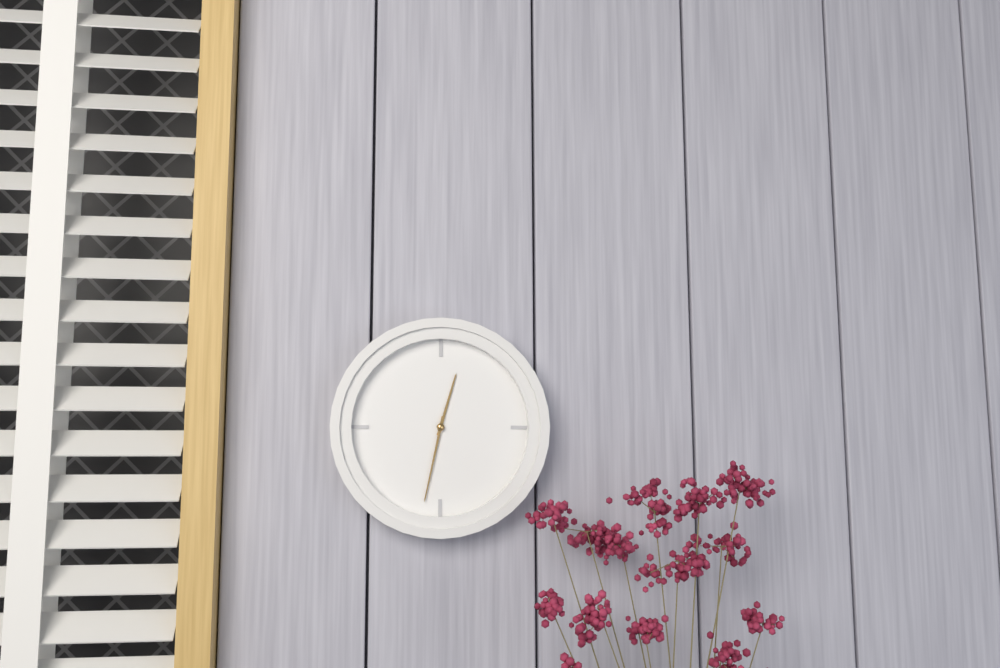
**12:32**
